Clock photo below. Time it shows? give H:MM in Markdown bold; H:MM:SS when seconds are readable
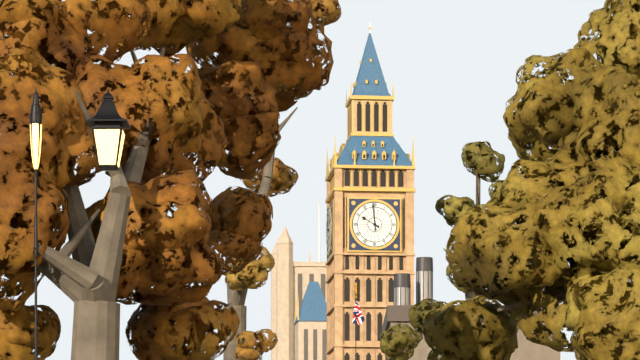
**9:59**
